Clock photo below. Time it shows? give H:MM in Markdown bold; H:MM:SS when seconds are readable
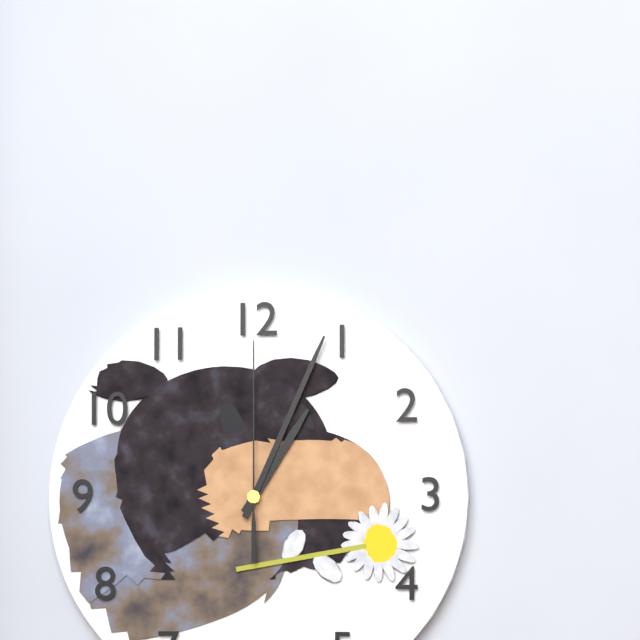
**1:04:00**
